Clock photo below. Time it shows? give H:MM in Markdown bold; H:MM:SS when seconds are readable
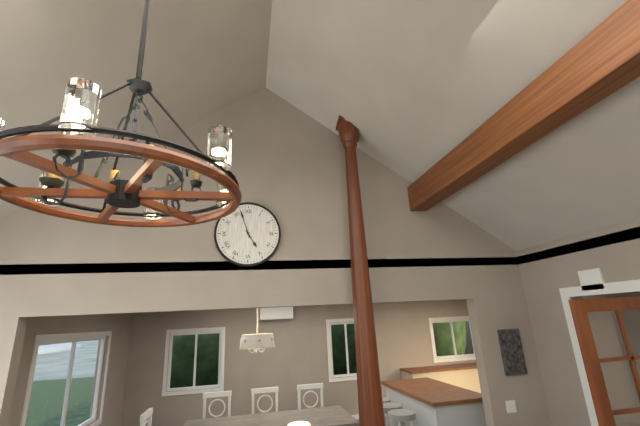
**4:57**
